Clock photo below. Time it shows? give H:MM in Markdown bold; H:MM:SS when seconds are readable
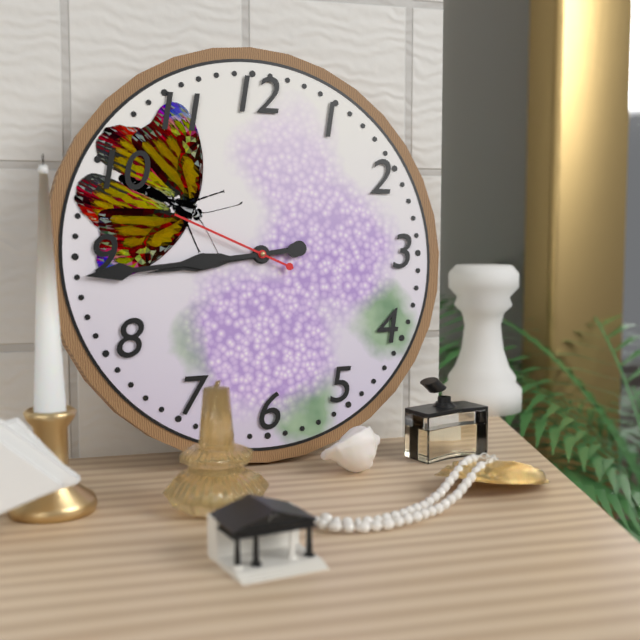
**8:44:49**
